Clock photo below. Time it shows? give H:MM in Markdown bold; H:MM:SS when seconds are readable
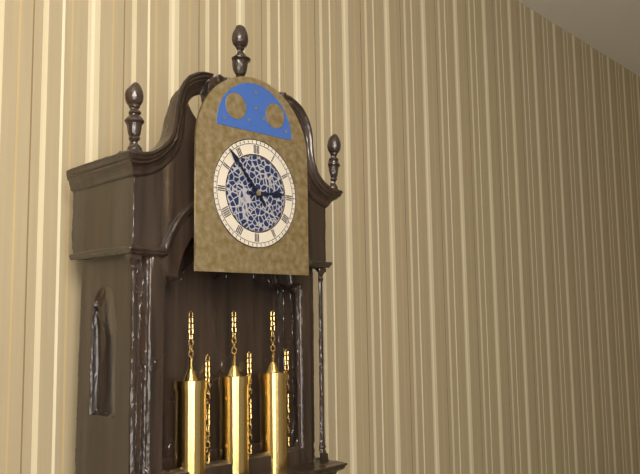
**2:53**
